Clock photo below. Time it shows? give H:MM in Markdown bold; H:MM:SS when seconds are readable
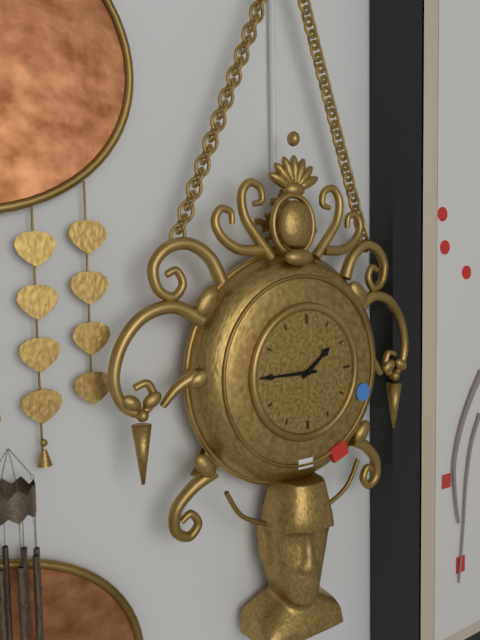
**1:45**
